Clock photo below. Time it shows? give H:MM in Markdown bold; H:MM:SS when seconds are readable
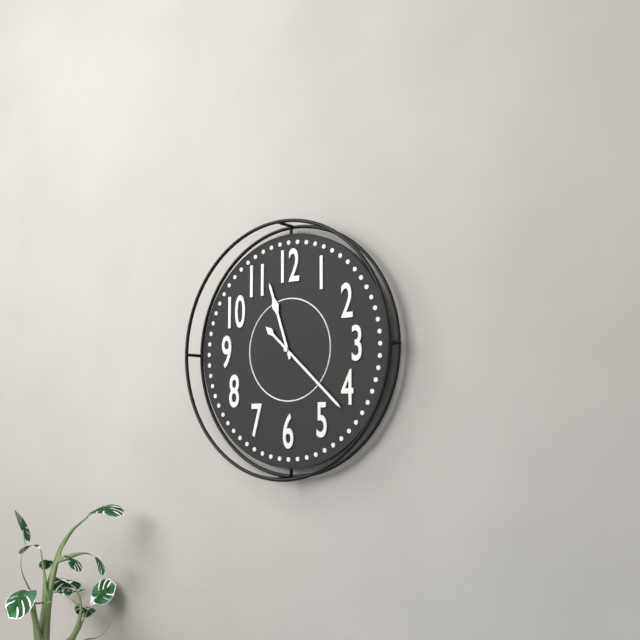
**11:22**
